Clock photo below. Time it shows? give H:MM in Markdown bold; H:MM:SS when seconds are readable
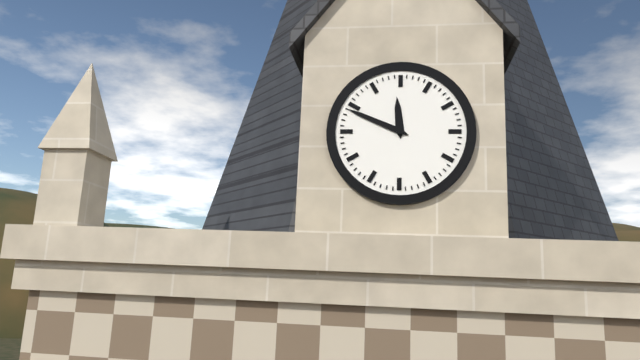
**11:49**
